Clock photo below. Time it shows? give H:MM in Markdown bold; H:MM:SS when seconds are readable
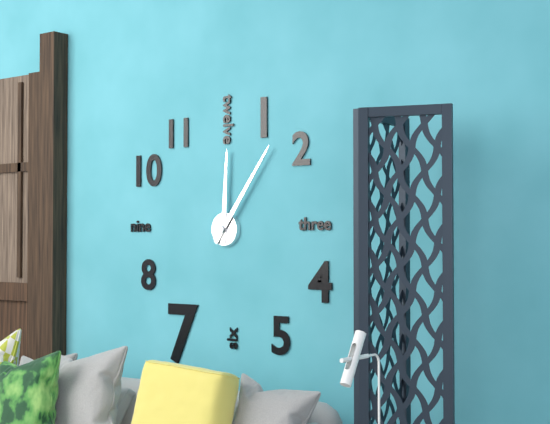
**12:06**
